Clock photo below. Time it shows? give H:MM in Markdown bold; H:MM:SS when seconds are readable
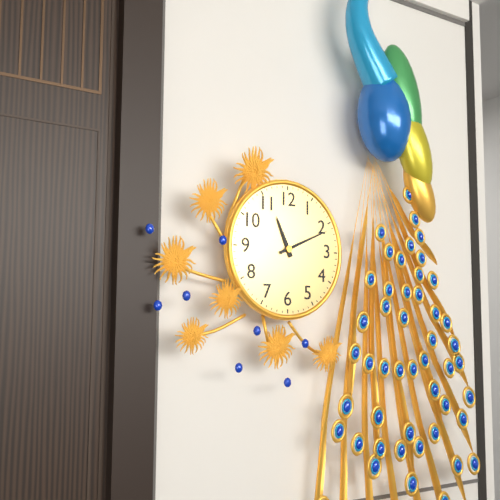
**11:11**
